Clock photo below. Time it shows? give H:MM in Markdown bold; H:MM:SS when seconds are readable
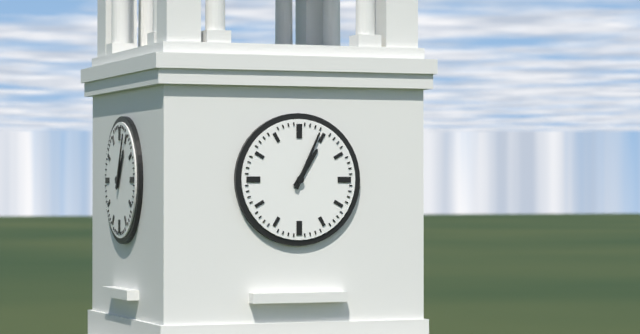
**1:04**
